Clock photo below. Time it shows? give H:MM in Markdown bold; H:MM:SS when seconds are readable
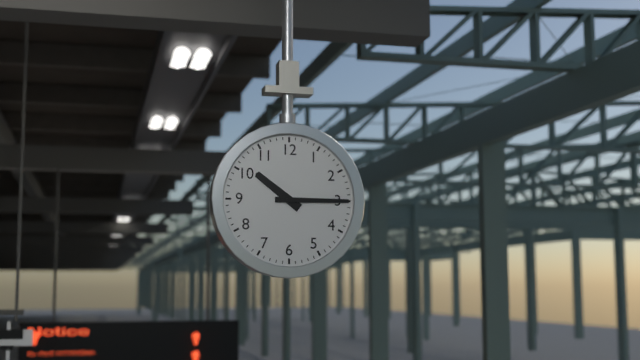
**10:15**
